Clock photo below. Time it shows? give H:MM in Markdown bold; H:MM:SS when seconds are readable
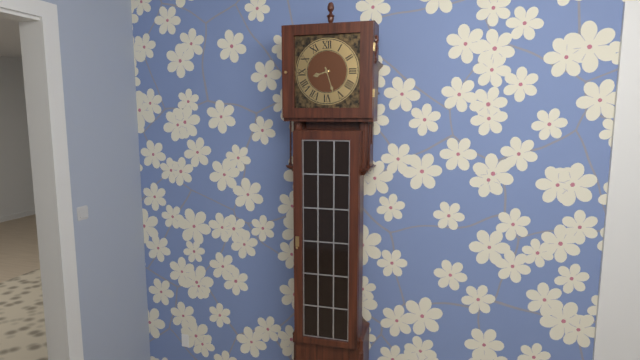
**8:27**
